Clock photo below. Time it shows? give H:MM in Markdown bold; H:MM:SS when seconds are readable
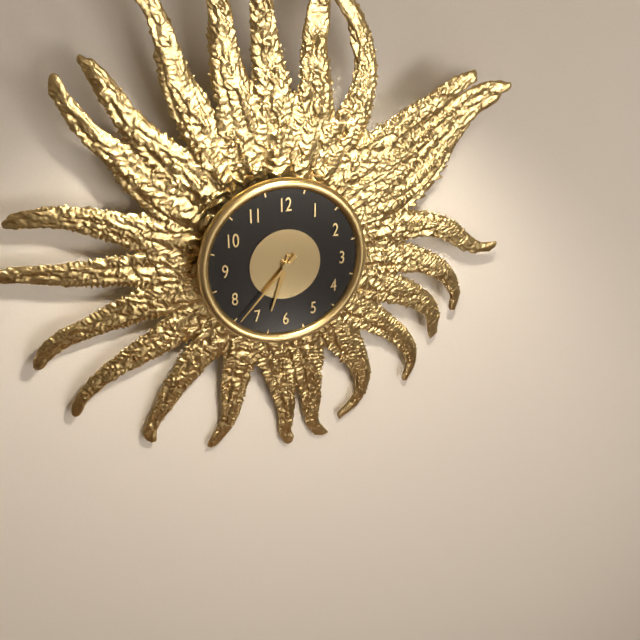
**6:37**
